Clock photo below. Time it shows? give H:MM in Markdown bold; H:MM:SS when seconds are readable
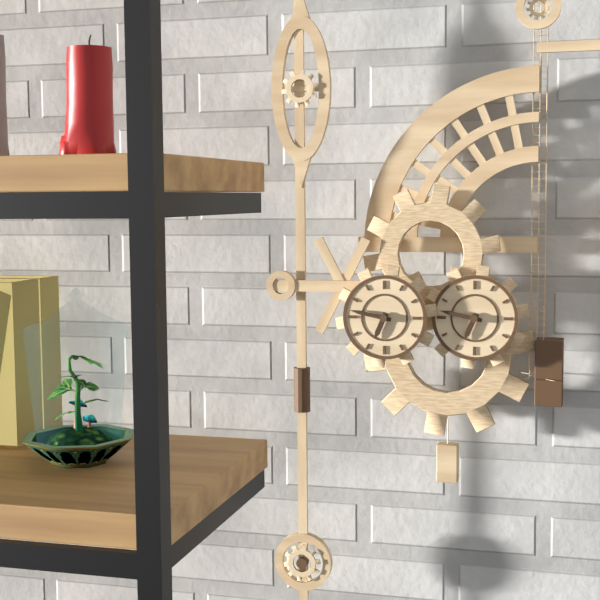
**6:47**
